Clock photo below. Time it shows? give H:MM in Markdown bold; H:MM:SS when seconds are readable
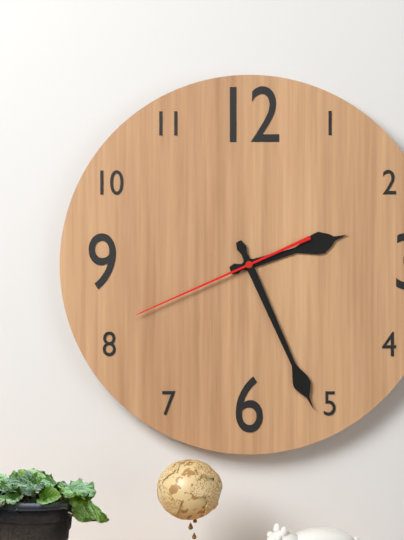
**2:26:41**
